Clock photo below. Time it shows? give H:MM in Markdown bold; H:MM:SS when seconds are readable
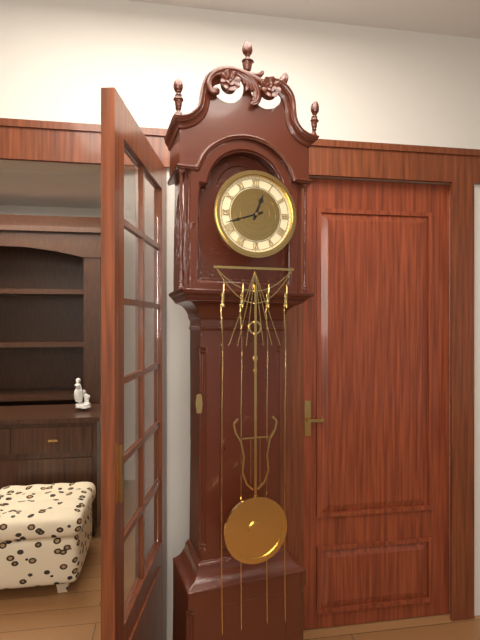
**12:42**
